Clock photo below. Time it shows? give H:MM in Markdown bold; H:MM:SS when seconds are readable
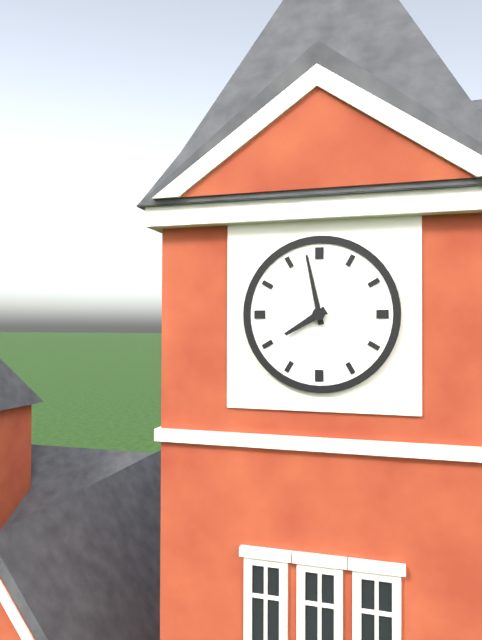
**7:58**
